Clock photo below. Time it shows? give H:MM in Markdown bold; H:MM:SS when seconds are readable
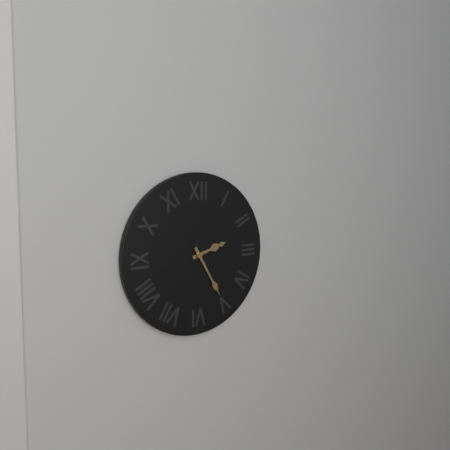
**2:25**
